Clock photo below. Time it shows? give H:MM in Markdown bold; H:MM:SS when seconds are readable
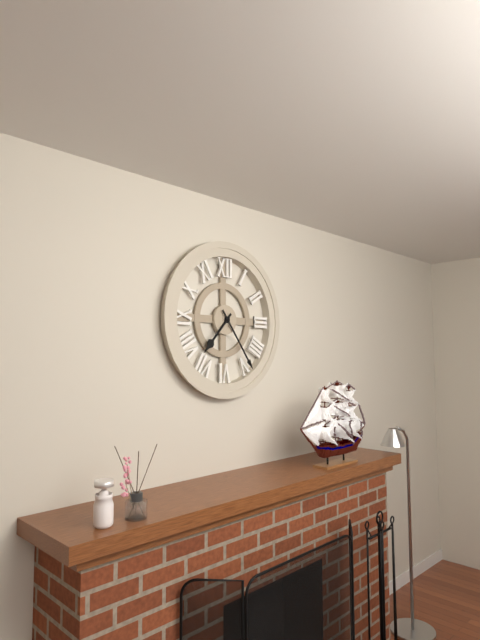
**7:24**
